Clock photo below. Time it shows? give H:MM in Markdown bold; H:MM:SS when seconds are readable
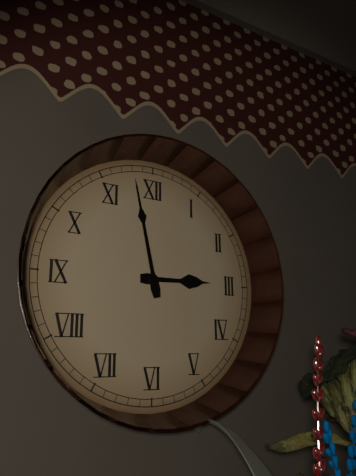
**2:58**
